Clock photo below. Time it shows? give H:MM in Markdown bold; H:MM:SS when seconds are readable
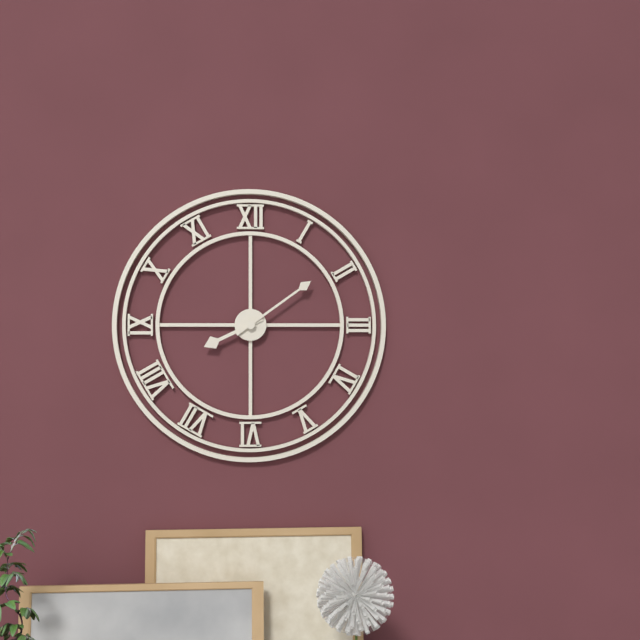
**8:09**
